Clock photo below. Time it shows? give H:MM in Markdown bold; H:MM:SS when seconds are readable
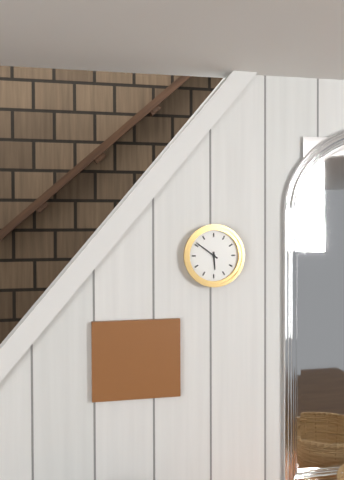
**5:51**
